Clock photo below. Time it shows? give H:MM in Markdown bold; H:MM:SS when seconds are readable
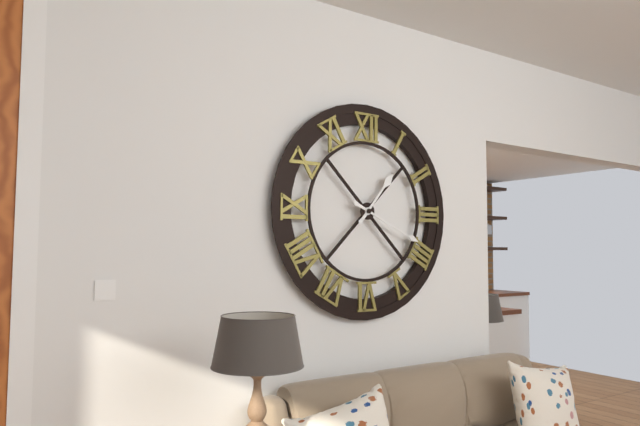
**1:19**
